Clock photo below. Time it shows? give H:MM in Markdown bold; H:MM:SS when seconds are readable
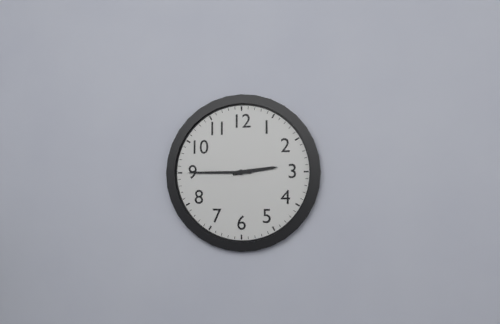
**2:45**
